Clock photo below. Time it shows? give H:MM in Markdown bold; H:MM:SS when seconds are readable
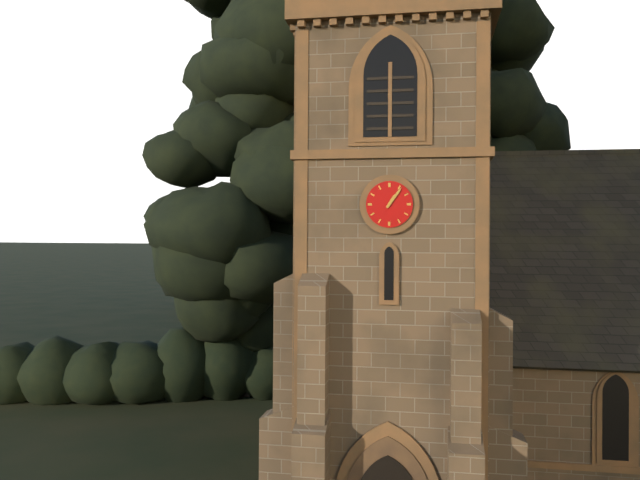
**1:06**
